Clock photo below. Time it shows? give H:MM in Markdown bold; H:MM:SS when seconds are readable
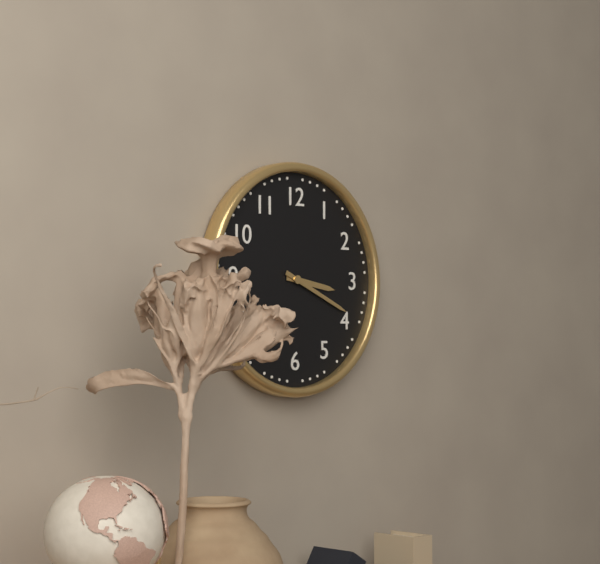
**3:19**
